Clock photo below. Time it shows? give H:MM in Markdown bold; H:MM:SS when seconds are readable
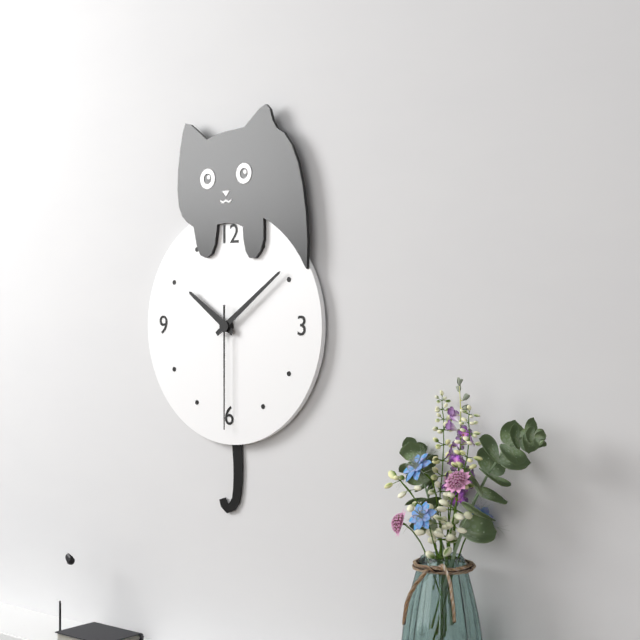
**10:09:30**
